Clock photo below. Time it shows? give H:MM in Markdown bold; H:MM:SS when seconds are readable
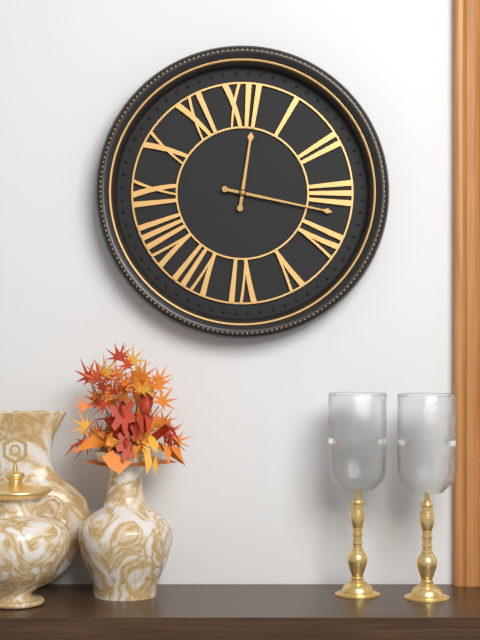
**12:17**
